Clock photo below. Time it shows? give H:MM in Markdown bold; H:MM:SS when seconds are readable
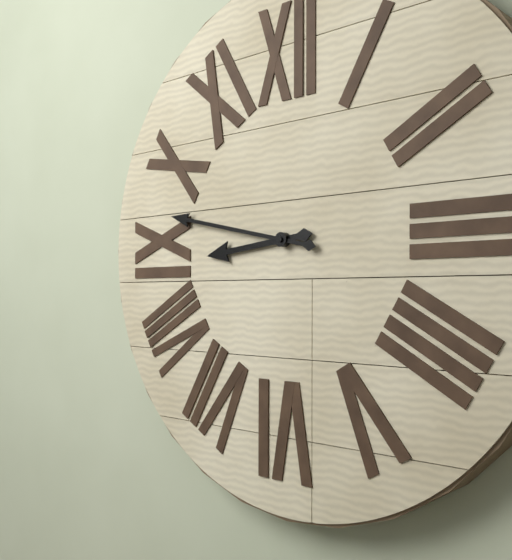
**8:47**
